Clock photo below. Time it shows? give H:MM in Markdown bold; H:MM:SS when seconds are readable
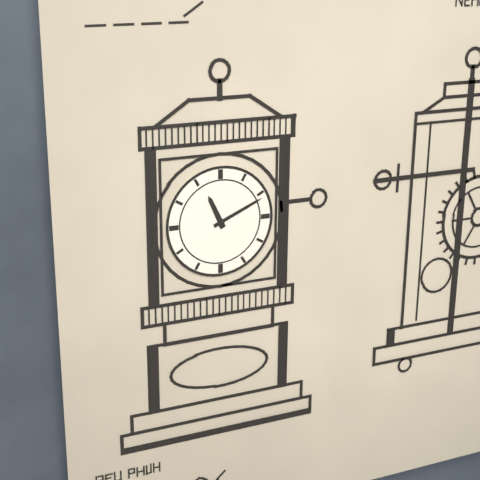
**11:11**
